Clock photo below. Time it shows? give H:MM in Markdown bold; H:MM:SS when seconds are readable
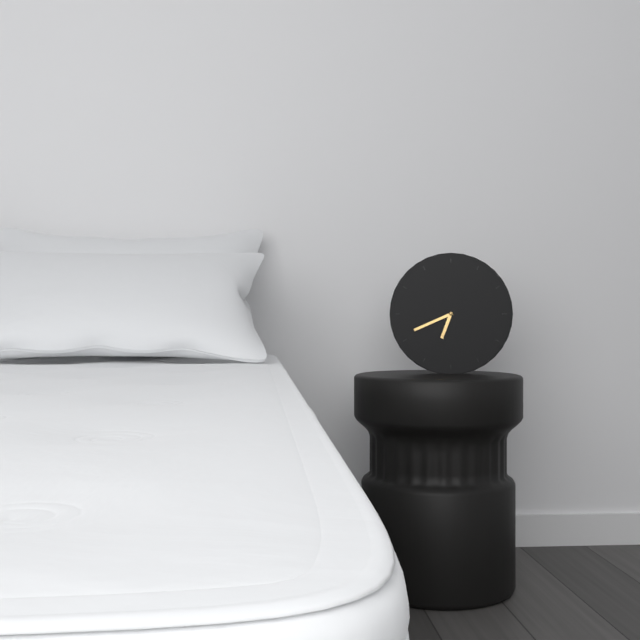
**6:41**
